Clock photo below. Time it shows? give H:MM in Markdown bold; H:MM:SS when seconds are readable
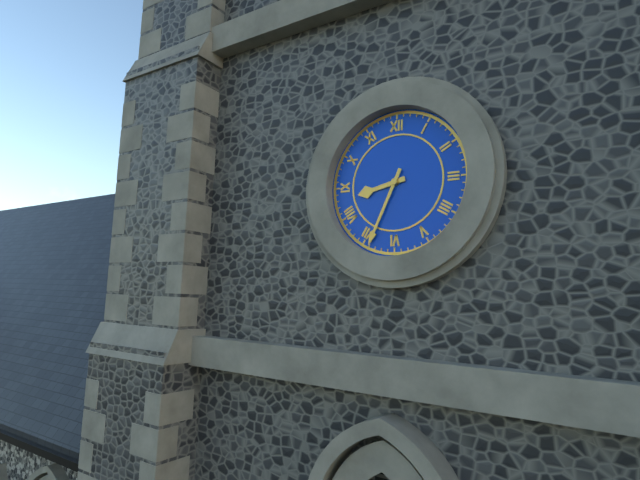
**8:34**
